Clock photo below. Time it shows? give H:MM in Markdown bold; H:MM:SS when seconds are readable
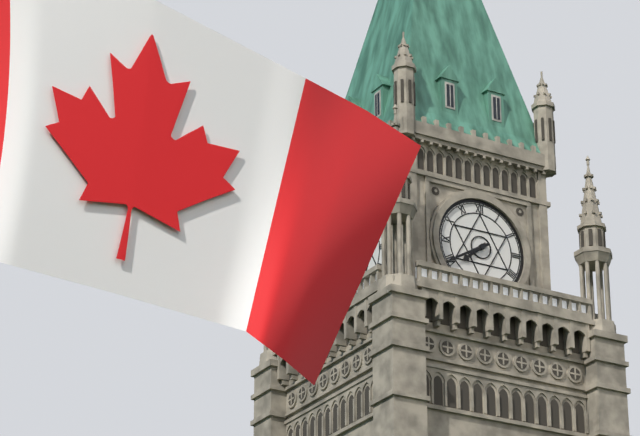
**7:40**
